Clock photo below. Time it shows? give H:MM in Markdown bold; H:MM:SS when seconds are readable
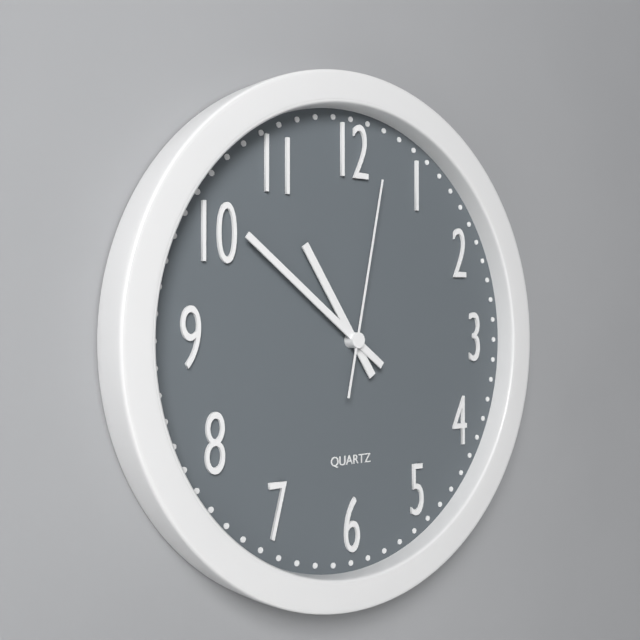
**10:51:02**
